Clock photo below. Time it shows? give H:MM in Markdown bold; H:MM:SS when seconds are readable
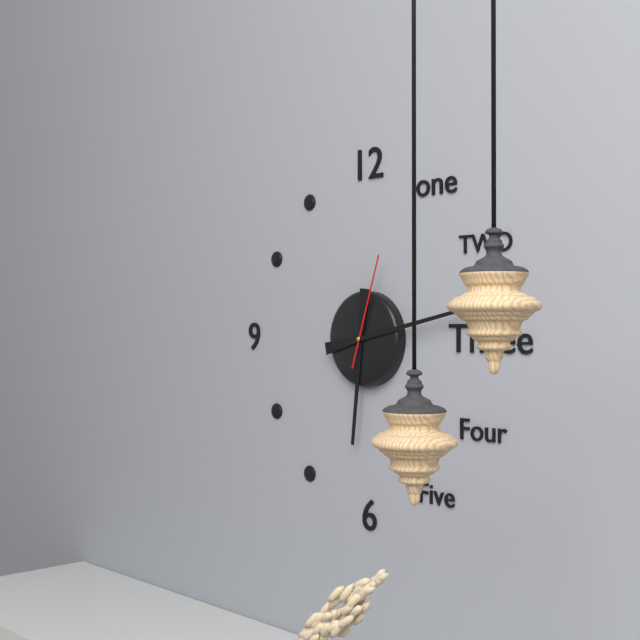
**6:13:03**
